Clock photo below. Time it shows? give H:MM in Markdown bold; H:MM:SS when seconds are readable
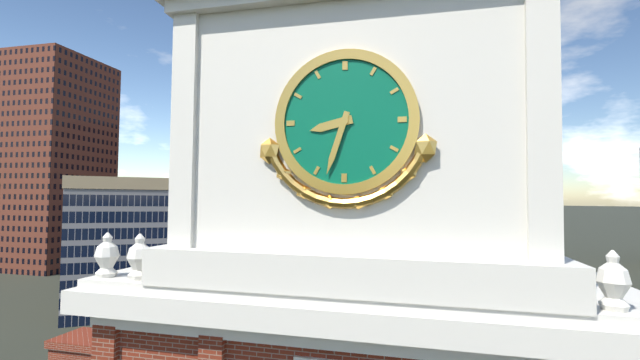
**8:33**
